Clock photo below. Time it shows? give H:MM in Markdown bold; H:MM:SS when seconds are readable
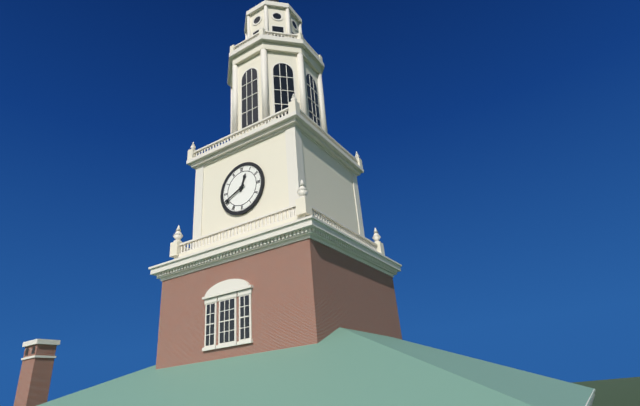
**12:41**
